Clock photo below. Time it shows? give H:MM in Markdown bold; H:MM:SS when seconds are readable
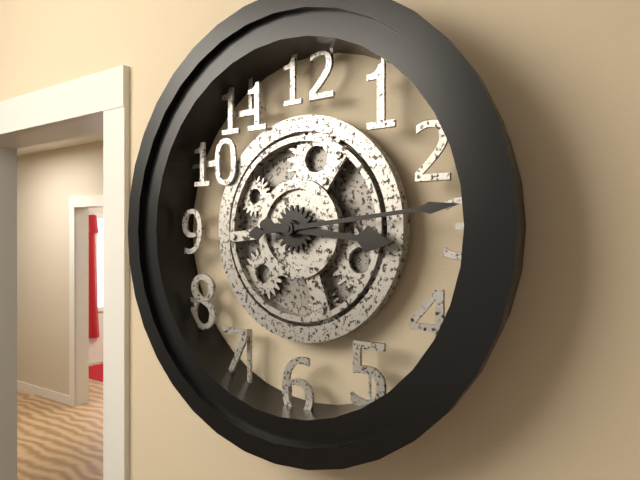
**3:14**
